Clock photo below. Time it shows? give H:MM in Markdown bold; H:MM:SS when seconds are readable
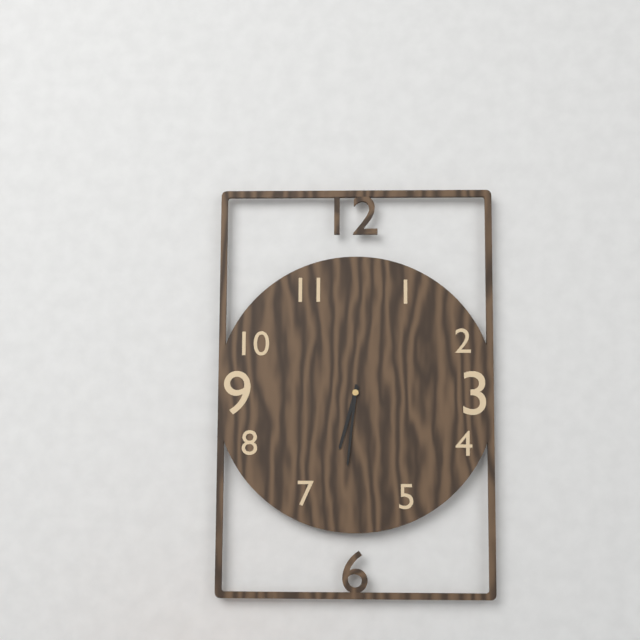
**6:31**
